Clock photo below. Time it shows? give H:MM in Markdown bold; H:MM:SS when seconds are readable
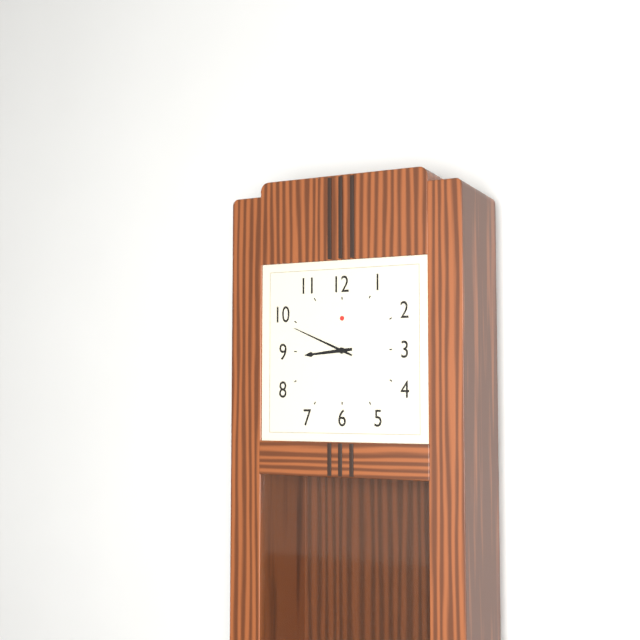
**8:49**
